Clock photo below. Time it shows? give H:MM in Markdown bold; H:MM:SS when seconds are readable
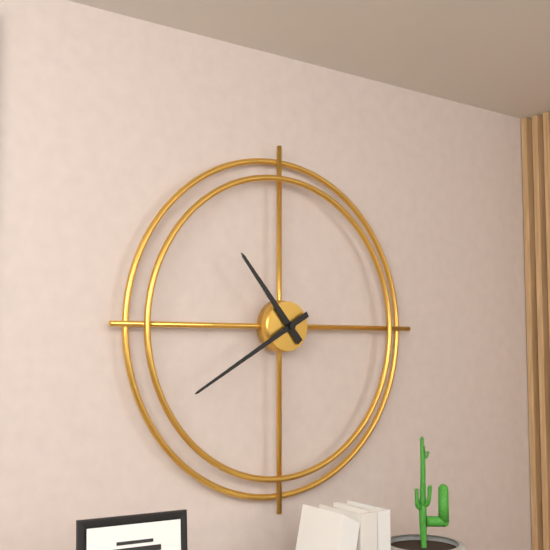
**10:40**
